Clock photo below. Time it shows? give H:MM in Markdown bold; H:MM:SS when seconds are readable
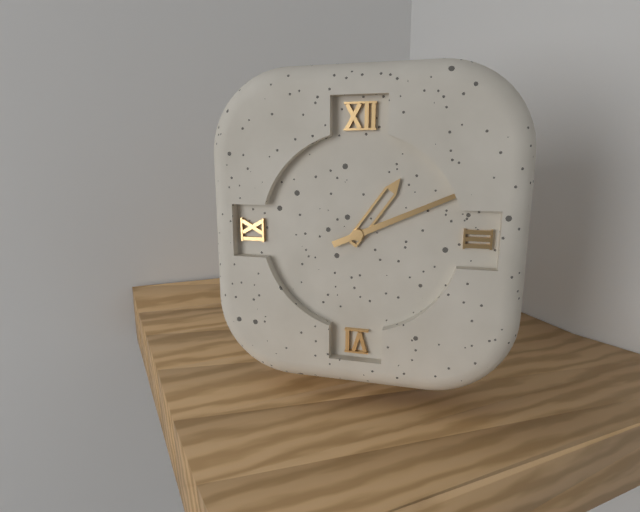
**1:11**
